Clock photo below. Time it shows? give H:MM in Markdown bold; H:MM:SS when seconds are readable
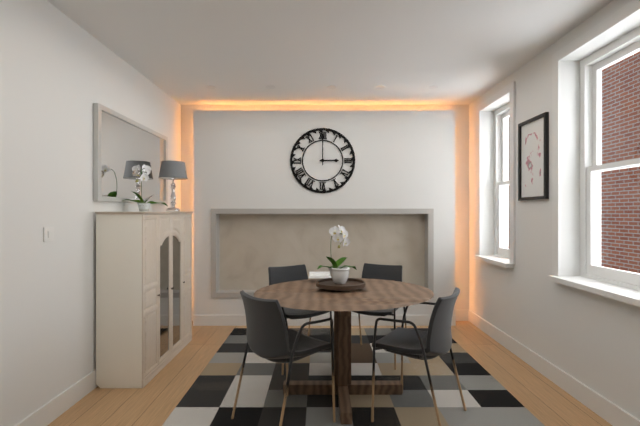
**3:00**
